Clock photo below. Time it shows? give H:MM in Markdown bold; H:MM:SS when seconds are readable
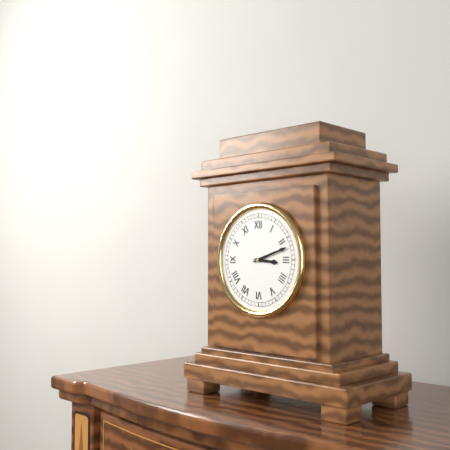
**3:12**
